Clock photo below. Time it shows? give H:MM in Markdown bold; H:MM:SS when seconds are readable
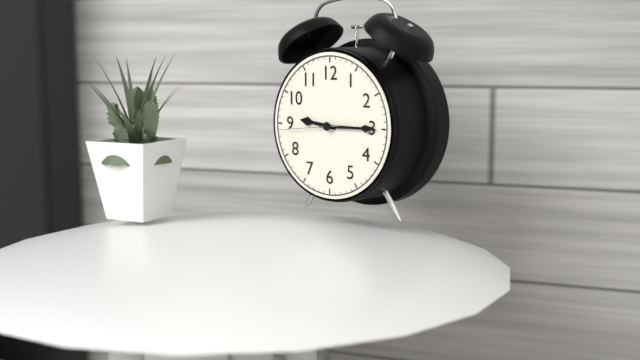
**9:15:44**
